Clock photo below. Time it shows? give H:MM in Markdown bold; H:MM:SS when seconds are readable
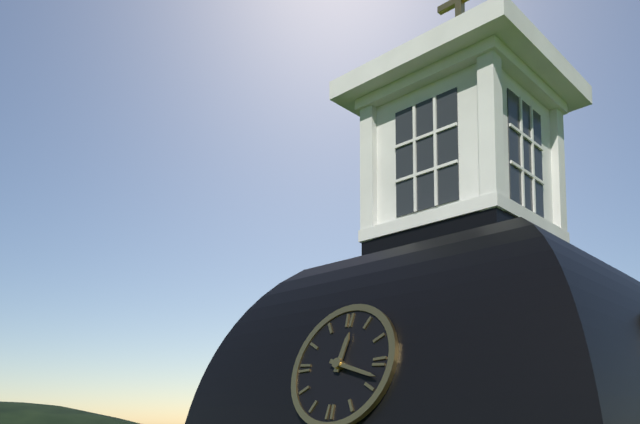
**12:18**
